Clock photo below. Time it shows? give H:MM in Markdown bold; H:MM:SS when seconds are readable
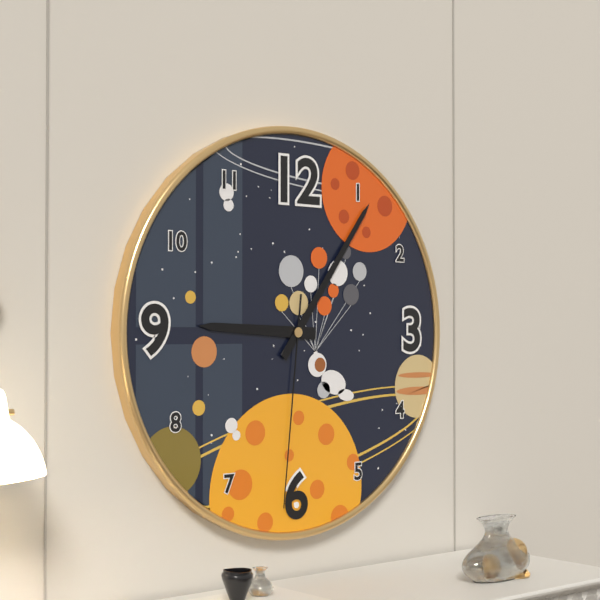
**9:06:31**
